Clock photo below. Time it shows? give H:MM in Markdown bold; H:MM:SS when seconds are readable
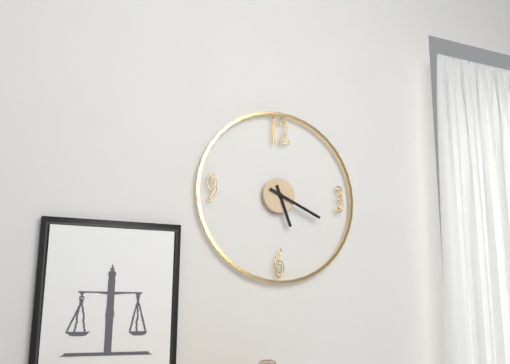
**5:19**
